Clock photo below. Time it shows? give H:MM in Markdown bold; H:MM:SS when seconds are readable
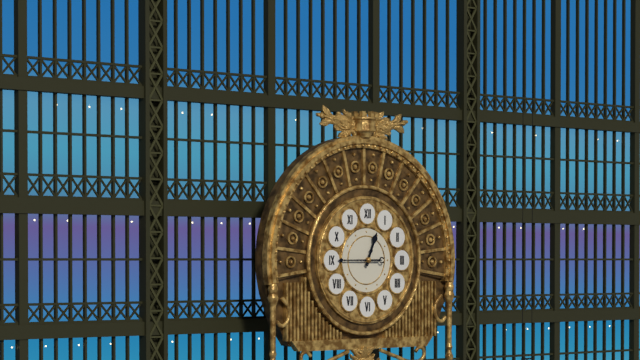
**12:45**
